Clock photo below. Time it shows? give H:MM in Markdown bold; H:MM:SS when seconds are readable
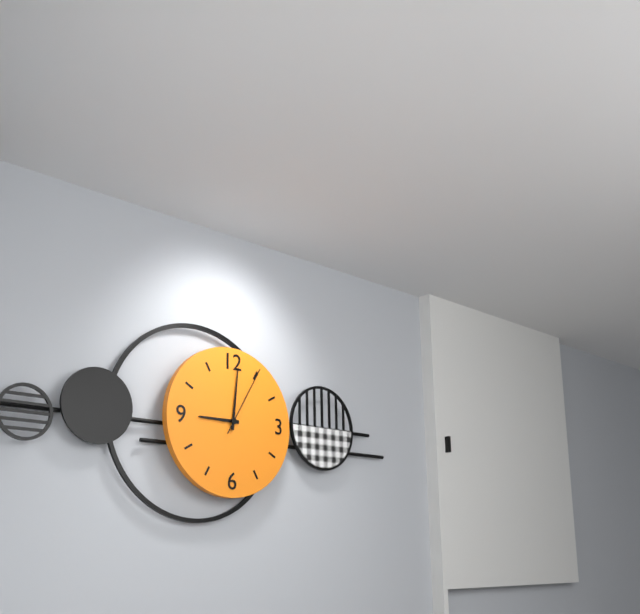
**9:01:05**
